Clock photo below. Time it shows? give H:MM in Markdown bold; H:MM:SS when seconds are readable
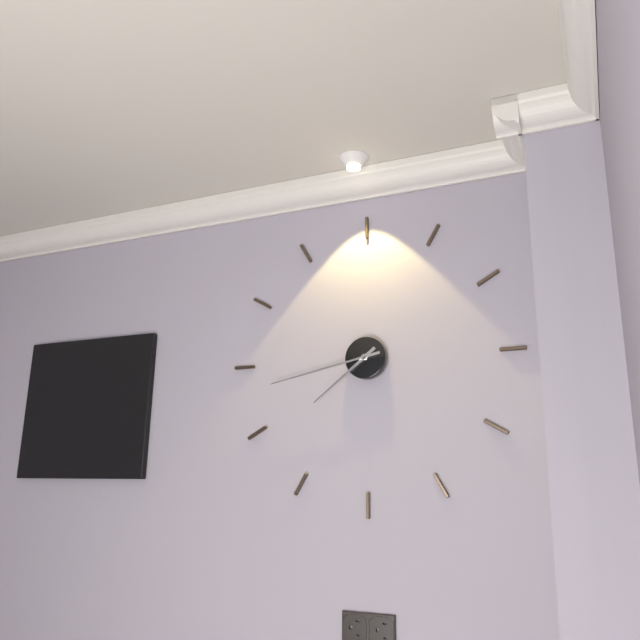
**7:43**
